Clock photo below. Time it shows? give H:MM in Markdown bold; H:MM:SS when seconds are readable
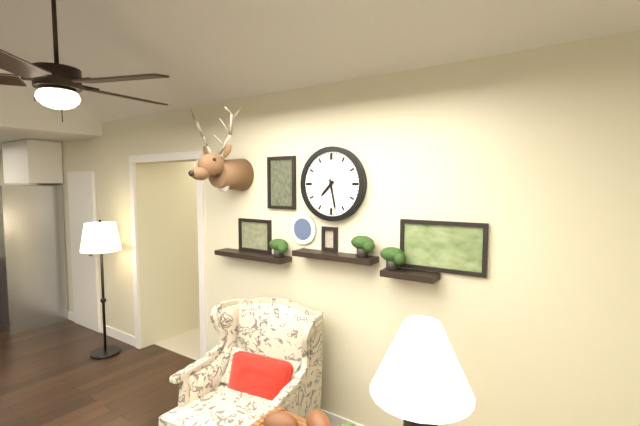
**7:28**
